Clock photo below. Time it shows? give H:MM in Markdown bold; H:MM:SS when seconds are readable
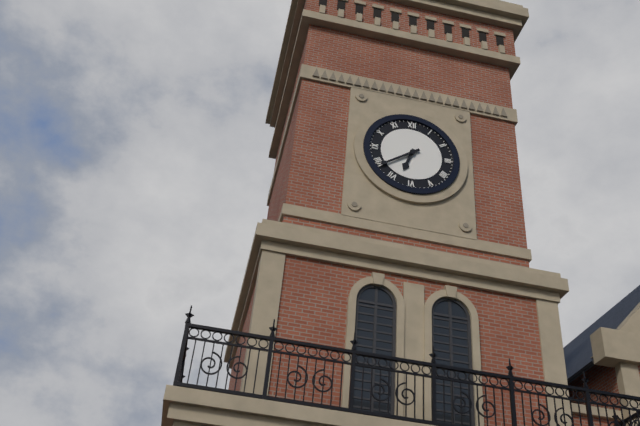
**6:39**
